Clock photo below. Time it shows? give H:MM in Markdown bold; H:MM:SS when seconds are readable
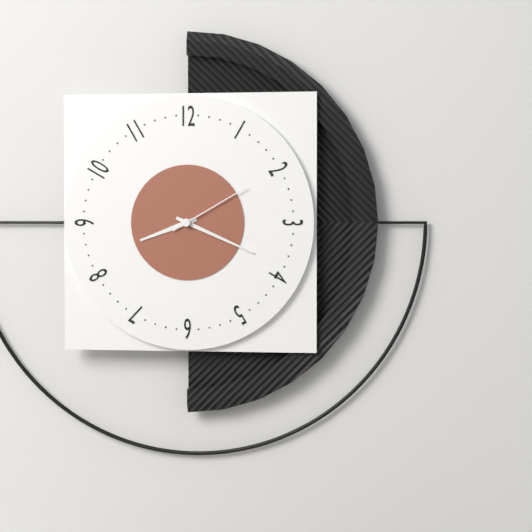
**8:19:10**
